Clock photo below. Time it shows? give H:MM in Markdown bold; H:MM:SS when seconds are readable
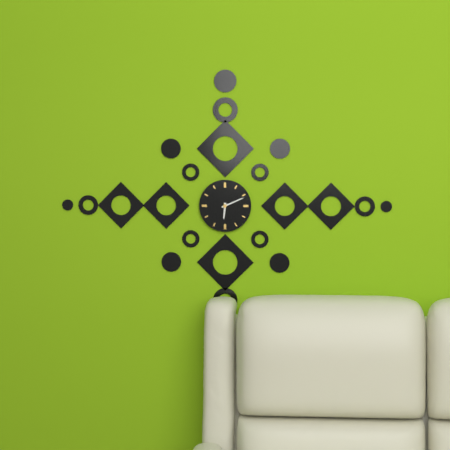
**6:11**
